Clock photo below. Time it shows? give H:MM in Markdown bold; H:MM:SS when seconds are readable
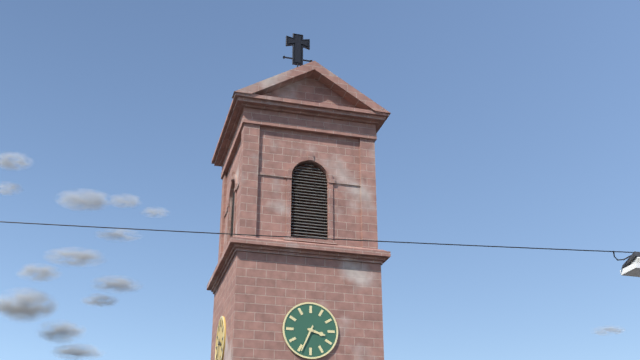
**3:34**
